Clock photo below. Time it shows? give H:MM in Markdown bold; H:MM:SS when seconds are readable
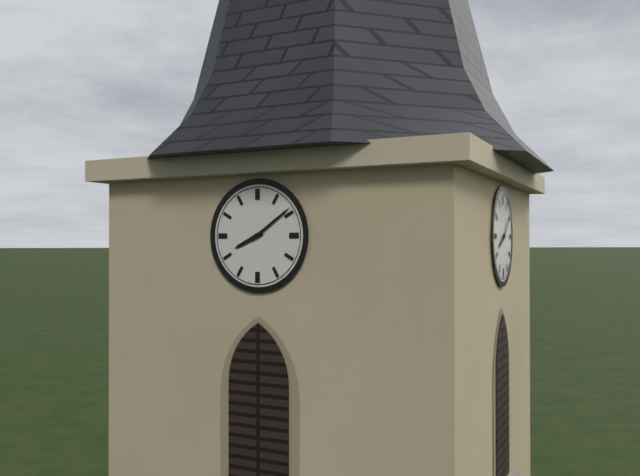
**8:09**
